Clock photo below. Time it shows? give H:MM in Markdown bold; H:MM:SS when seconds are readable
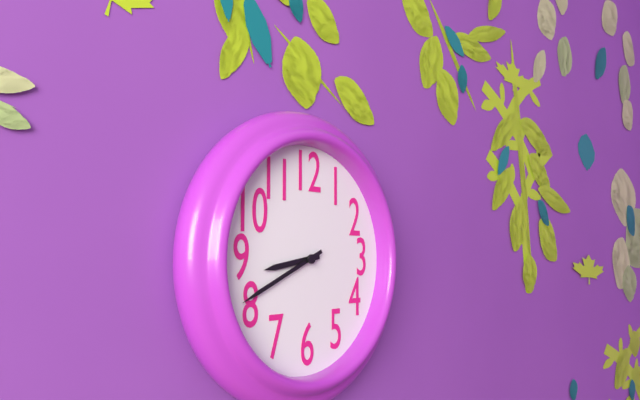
**8:41**
